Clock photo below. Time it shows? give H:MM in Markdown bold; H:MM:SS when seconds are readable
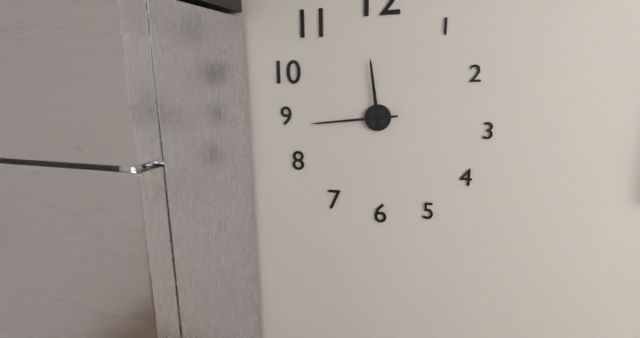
**11:44**
